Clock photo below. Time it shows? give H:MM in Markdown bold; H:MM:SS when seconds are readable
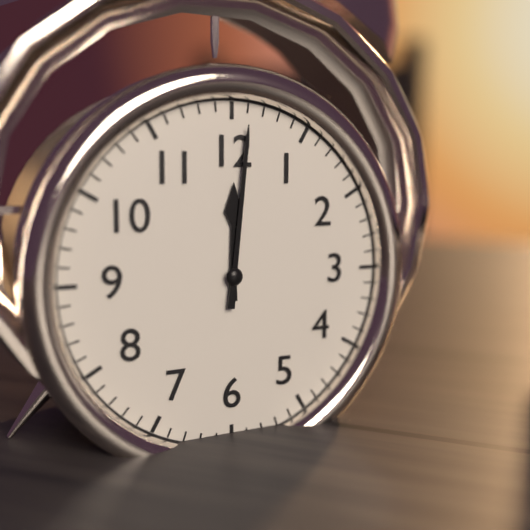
**12:01**
